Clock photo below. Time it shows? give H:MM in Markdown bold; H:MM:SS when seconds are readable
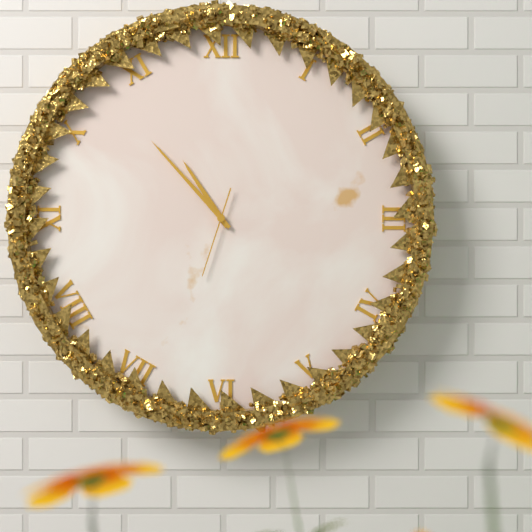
**10:53:33**
